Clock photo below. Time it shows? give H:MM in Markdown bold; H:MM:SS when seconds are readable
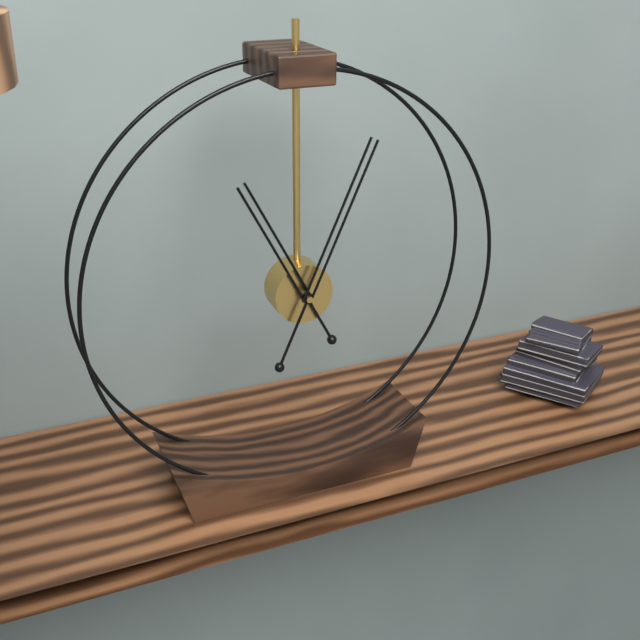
**11:04**
